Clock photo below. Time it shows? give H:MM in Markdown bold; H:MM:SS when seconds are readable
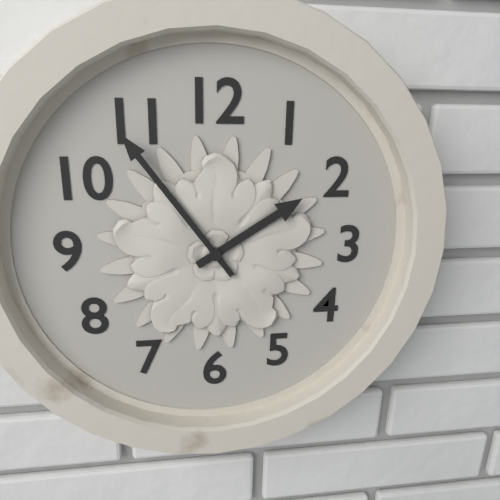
**1:54**
